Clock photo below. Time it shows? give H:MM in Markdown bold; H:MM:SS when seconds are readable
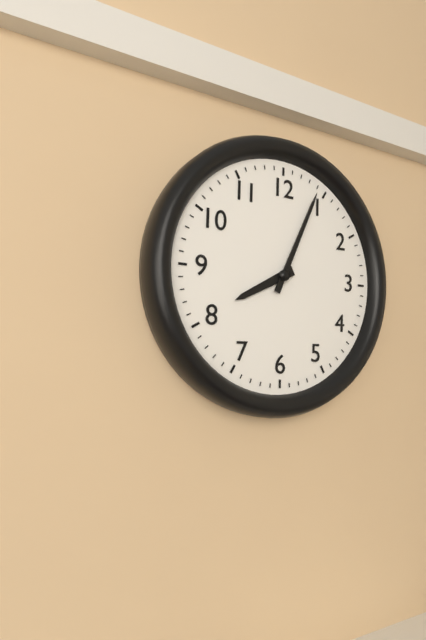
**8:04**
